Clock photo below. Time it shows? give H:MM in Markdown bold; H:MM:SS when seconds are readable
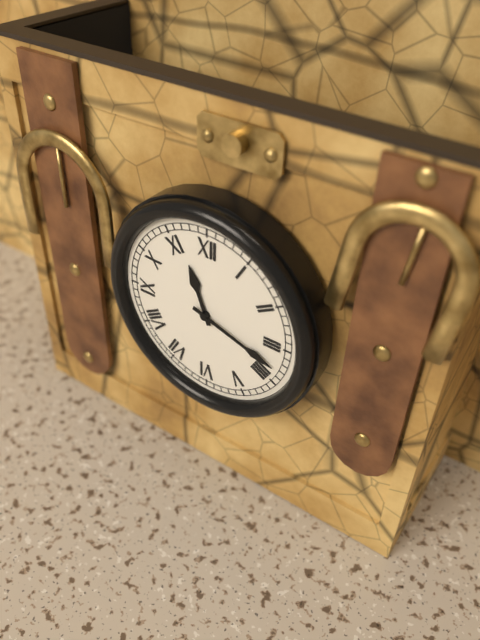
**11:18**
